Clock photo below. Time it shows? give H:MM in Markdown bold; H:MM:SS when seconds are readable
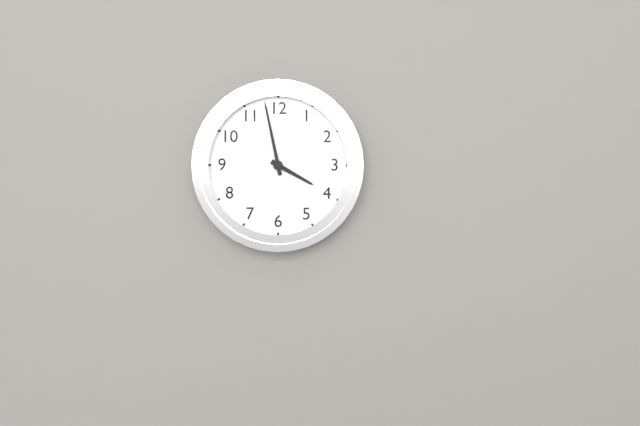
**3:58**
